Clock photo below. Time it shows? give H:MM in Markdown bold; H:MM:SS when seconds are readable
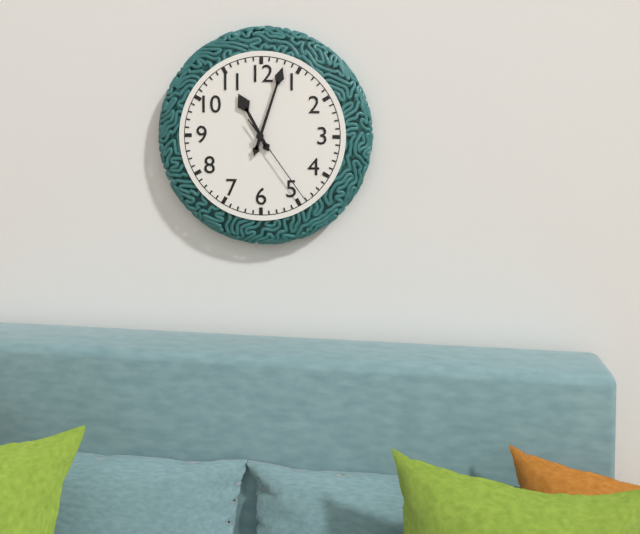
**11:03:24**
